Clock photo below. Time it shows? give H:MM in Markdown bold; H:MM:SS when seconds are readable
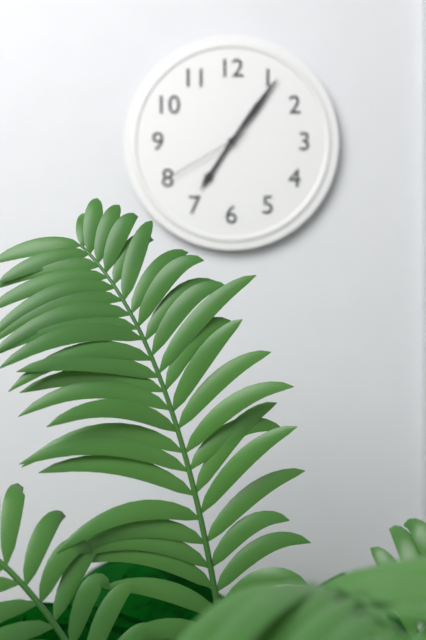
**7:06:40**
